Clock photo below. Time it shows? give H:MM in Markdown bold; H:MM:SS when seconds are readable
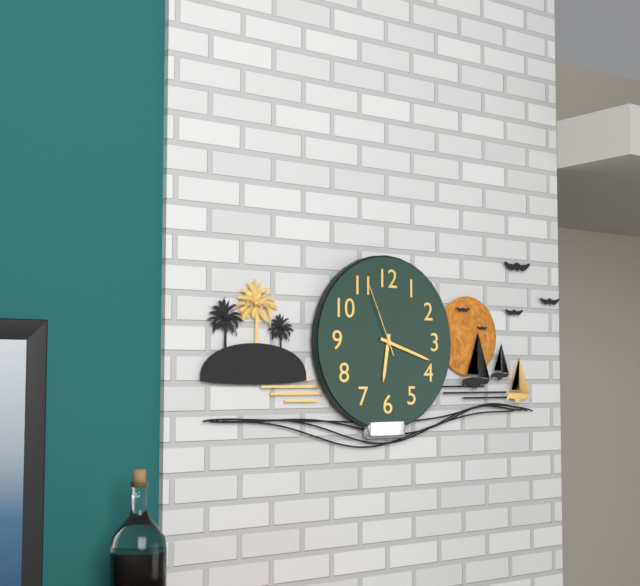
**6:18:56**
